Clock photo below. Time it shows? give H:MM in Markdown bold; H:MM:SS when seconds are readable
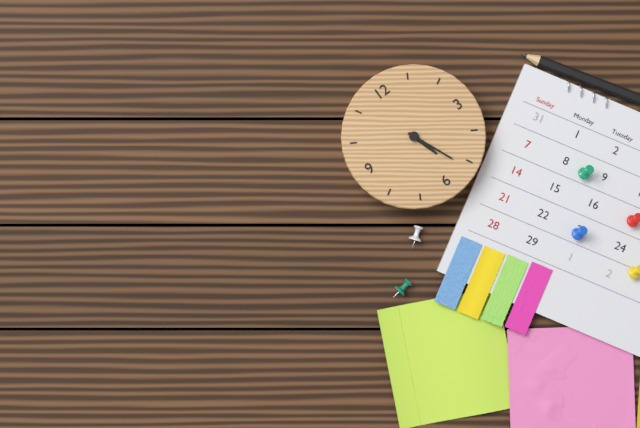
**5:26**
